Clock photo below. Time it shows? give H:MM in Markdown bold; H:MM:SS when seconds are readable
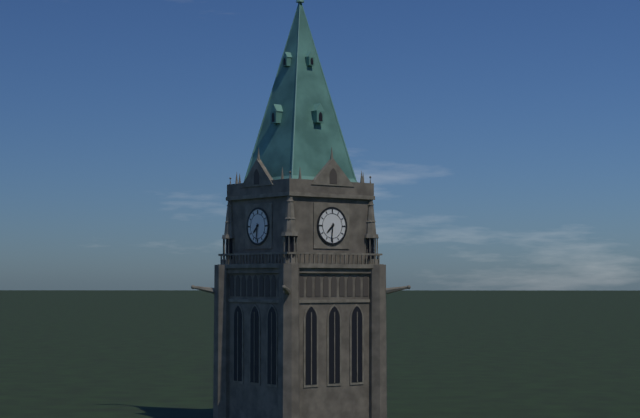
**7:31**
